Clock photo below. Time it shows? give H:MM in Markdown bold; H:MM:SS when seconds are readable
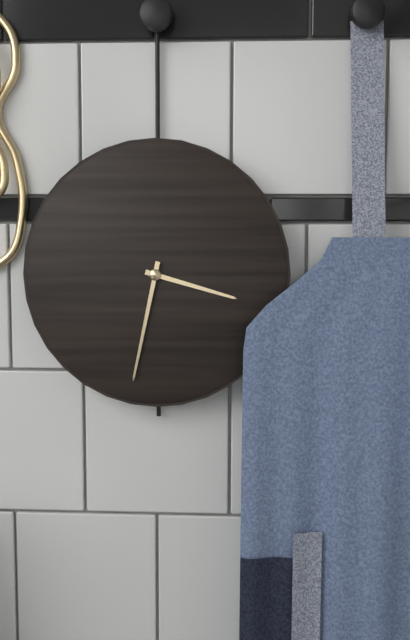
**3:32**
